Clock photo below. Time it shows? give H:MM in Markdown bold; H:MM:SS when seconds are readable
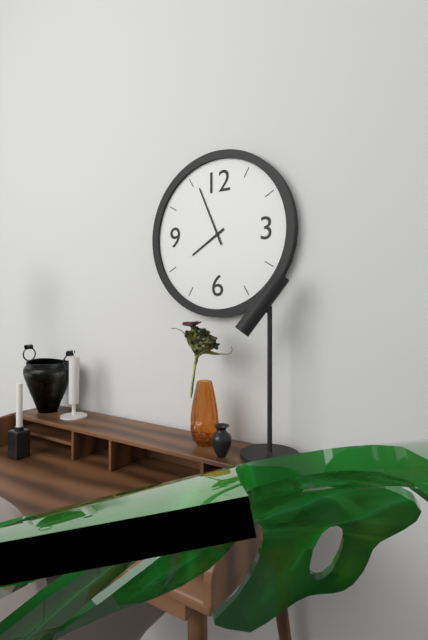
**7:56**
